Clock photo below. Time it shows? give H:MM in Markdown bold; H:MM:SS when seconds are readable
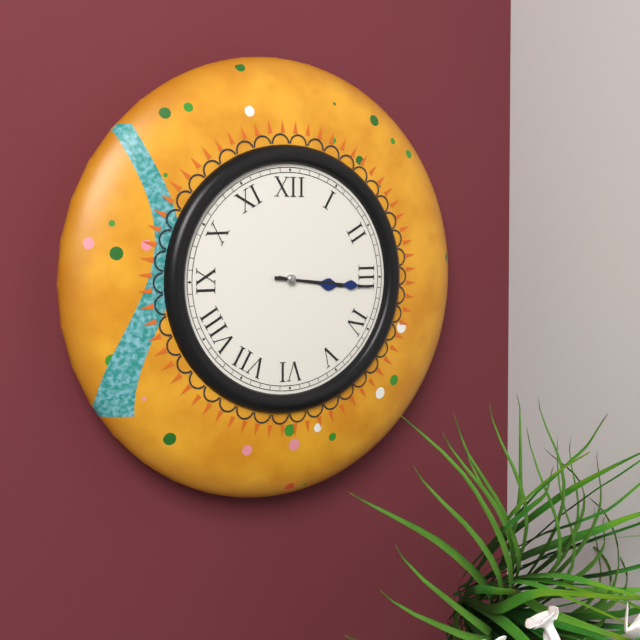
**3:16**
